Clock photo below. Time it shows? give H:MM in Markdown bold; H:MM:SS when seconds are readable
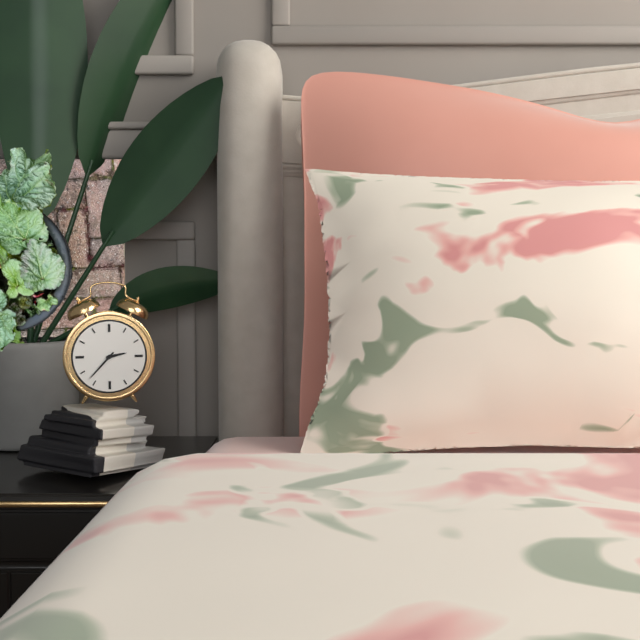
**2:37**
